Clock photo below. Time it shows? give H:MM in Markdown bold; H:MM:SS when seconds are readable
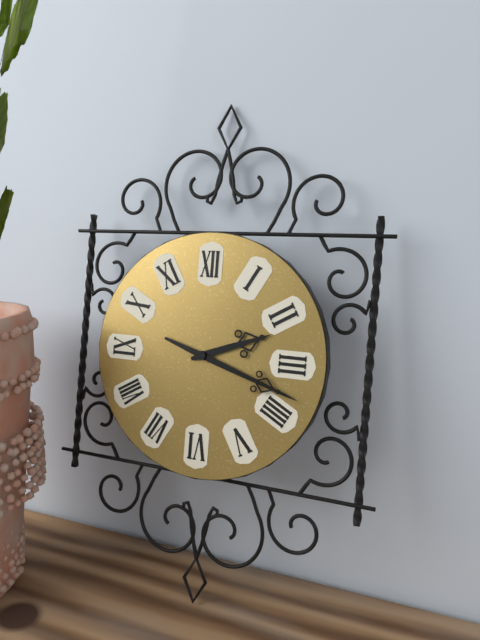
**2:18**
